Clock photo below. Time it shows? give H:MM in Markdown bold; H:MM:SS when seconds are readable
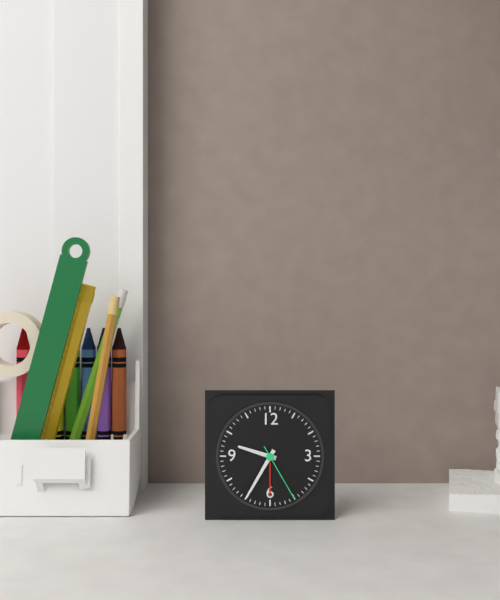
**9:35:25**
